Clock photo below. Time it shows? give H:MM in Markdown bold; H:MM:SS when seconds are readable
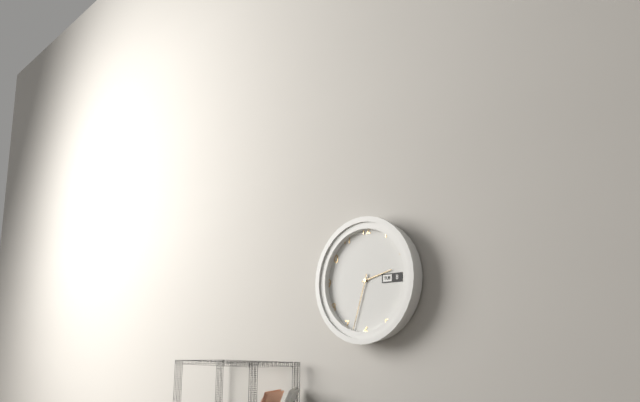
**2:33**
